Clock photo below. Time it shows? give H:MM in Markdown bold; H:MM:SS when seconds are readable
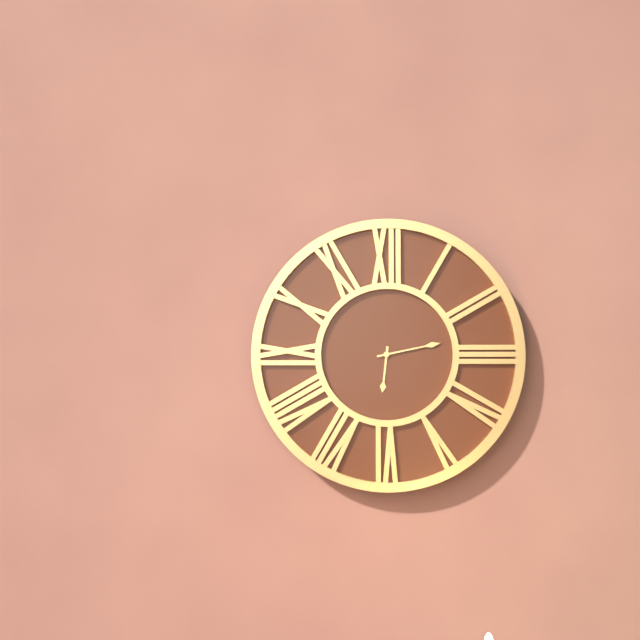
**6:13**
